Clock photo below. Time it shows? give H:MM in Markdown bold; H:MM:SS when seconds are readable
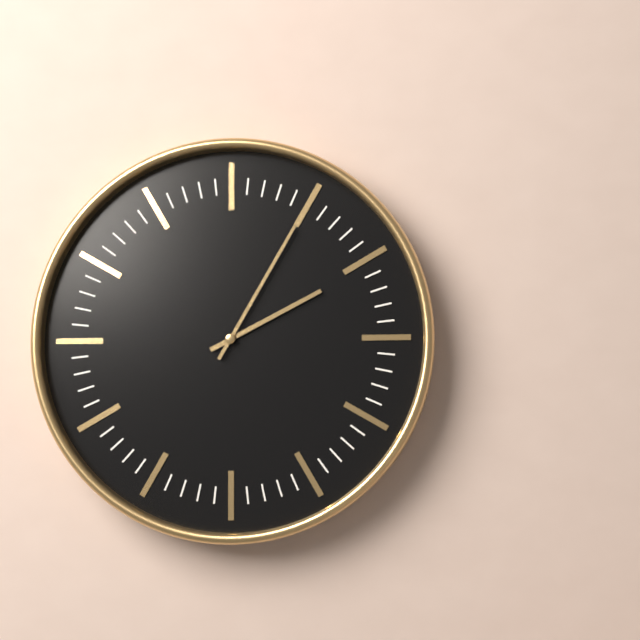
**2:05**
